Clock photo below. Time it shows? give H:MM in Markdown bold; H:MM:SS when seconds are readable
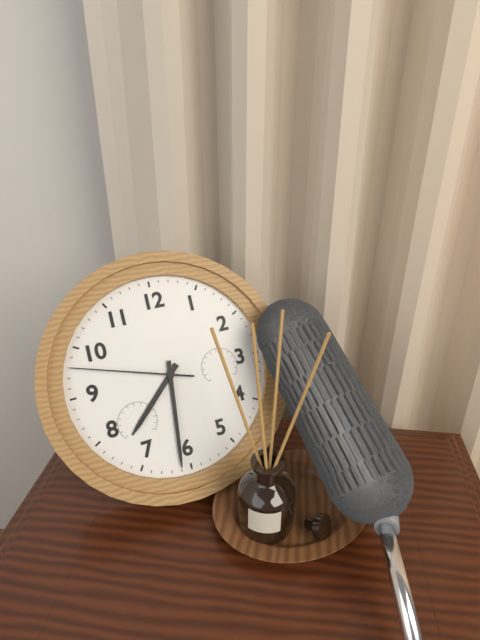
**7:31:48**
